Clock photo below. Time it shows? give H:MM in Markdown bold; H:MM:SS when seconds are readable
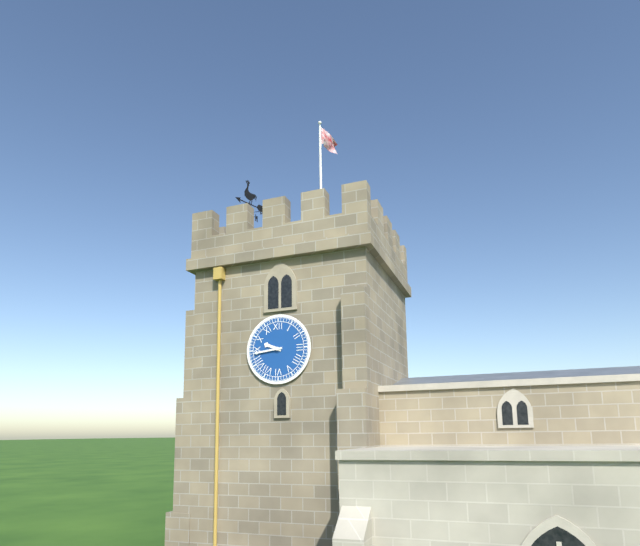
**9:44**
